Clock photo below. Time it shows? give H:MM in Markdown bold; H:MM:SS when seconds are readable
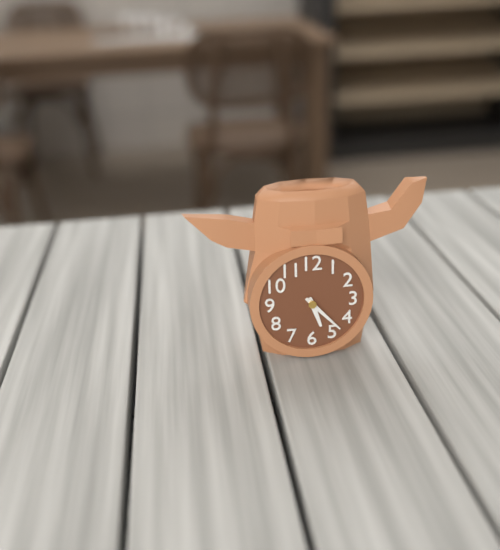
**5:23**
